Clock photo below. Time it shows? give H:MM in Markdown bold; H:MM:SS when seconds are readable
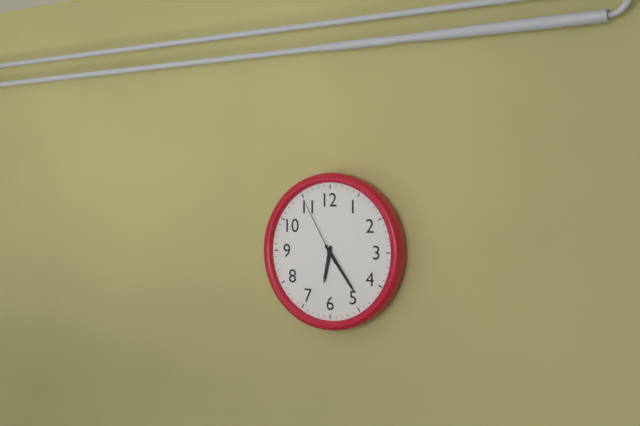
**6:24:55**
